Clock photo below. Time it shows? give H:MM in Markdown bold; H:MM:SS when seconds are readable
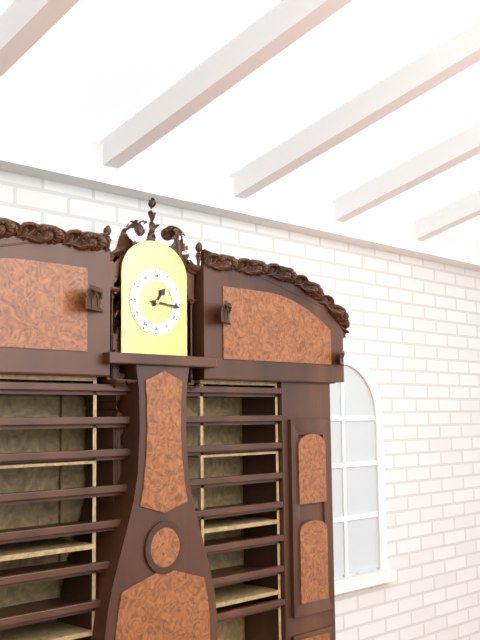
**1:16**
